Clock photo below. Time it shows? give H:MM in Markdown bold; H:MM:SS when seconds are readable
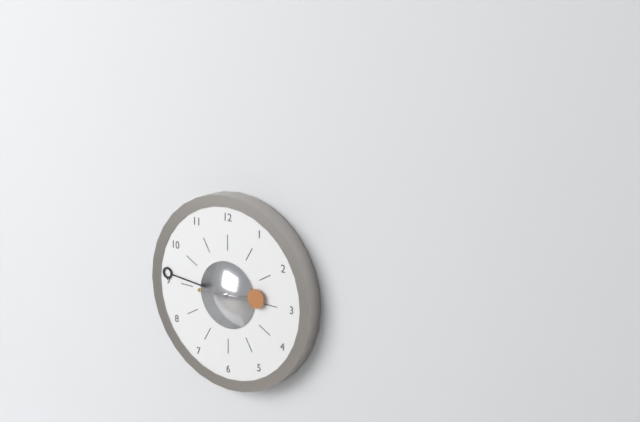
**2:46:45**
